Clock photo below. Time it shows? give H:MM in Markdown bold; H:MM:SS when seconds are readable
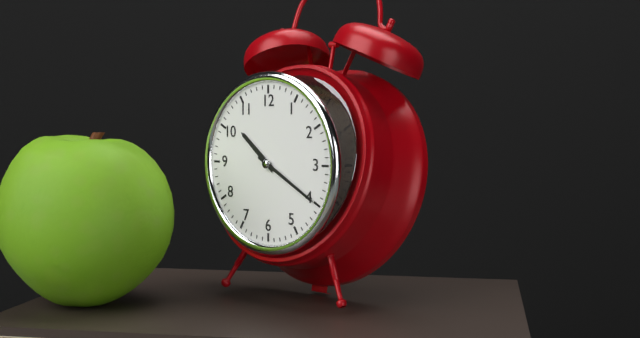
**10:20**
